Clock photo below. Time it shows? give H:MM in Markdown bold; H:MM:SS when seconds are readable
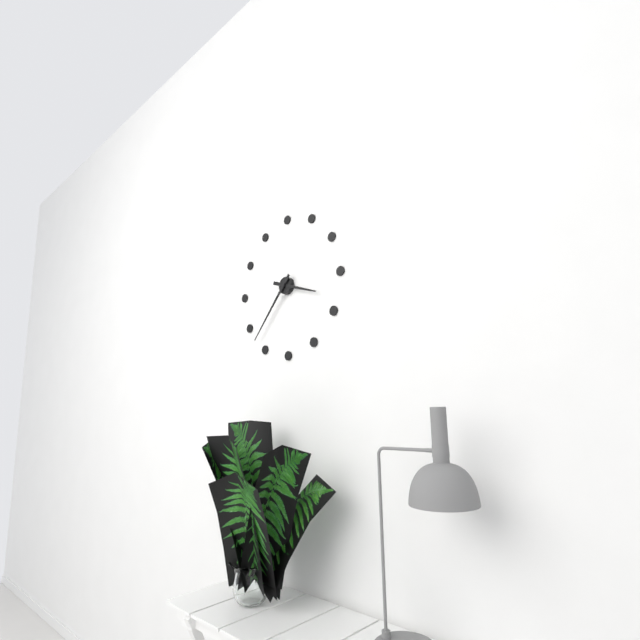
**3:37**
